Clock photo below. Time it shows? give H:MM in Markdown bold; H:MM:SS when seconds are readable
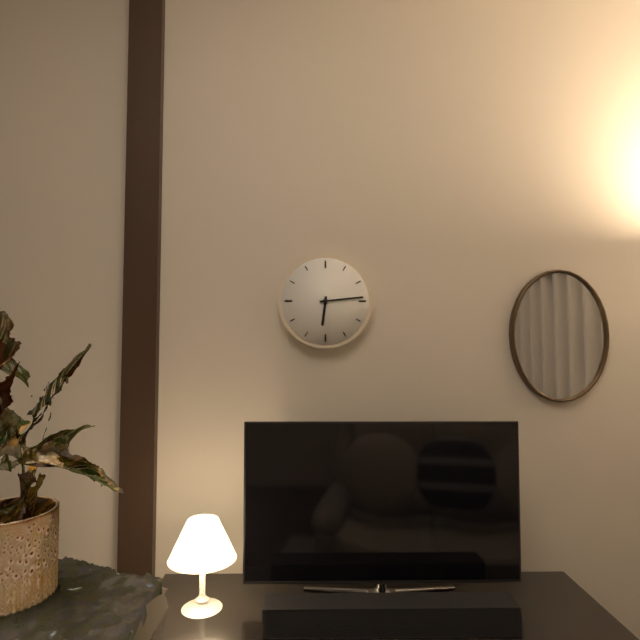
**6:14**
